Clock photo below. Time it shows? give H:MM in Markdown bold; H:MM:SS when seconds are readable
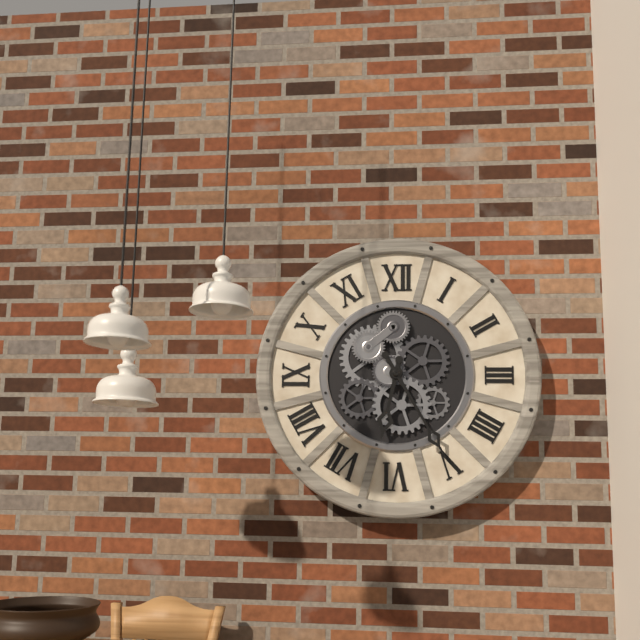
**6:25**
